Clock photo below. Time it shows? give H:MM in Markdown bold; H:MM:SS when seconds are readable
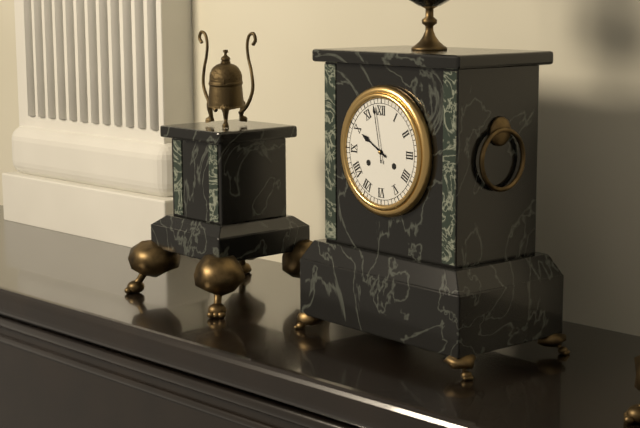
**9:58**
